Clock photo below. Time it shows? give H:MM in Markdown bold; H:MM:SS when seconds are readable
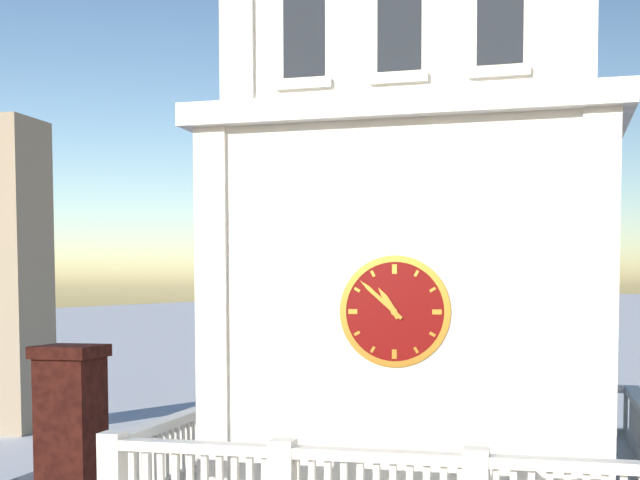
**10:52**
